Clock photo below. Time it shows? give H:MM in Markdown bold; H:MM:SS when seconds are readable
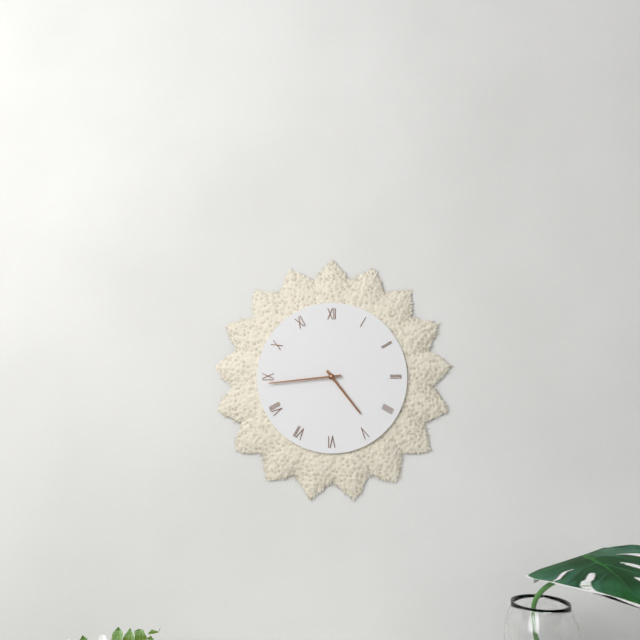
**4:44**
